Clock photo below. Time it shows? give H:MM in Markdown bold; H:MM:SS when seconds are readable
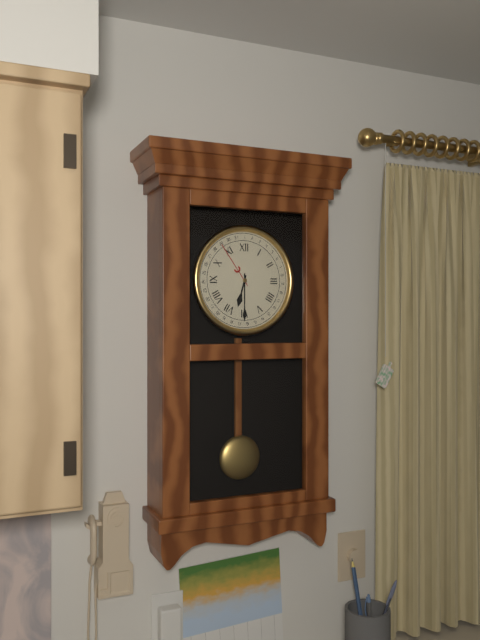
**6:30**
